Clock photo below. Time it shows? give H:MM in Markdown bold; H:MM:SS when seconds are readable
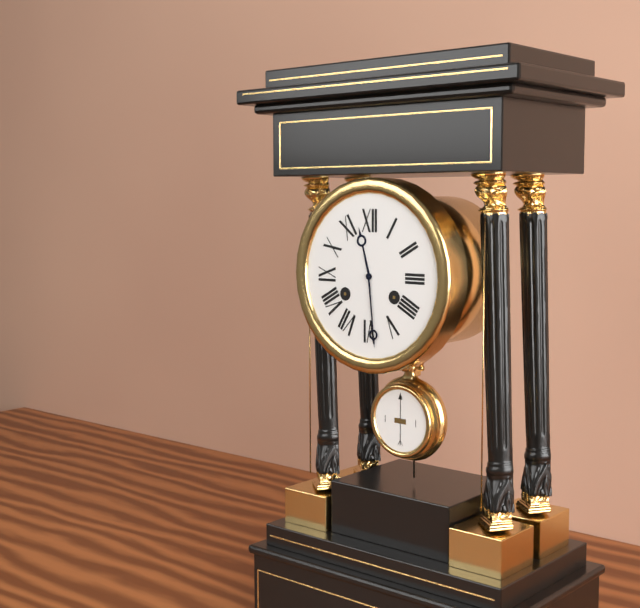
**11:29**
